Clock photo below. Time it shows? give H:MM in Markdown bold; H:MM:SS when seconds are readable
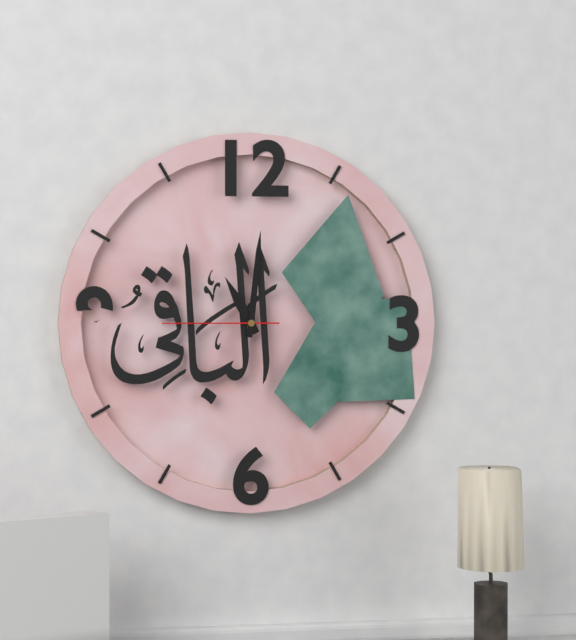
**11:01:45**
